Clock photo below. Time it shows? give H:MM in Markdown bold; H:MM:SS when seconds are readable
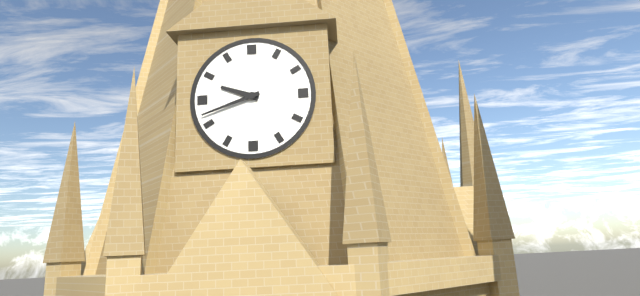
**9:42**
